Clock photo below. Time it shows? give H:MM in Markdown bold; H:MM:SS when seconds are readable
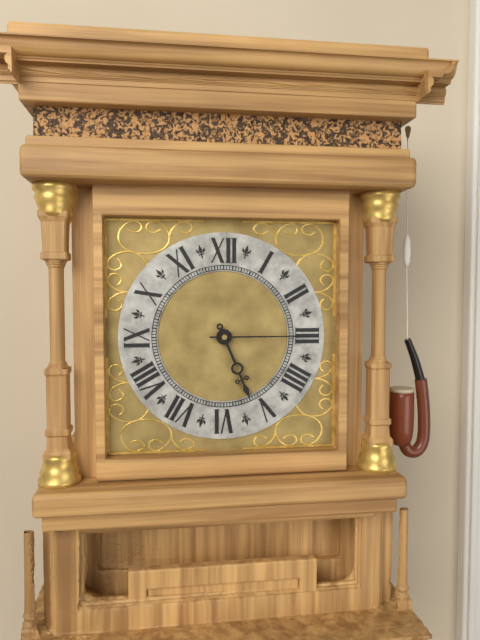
**5:15**
